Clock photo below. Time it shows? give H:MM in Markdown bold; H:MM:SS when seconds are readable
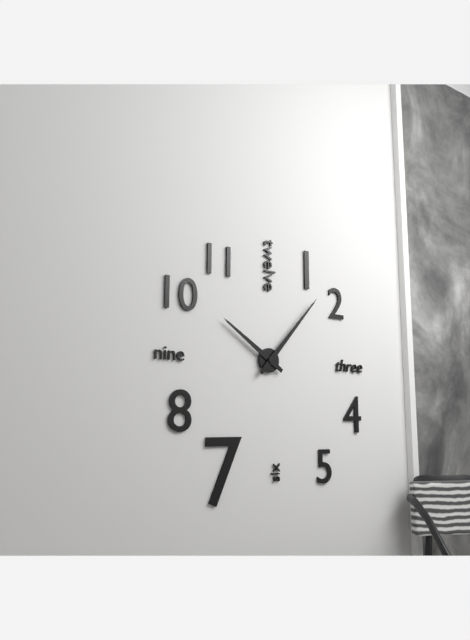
**10:07**
